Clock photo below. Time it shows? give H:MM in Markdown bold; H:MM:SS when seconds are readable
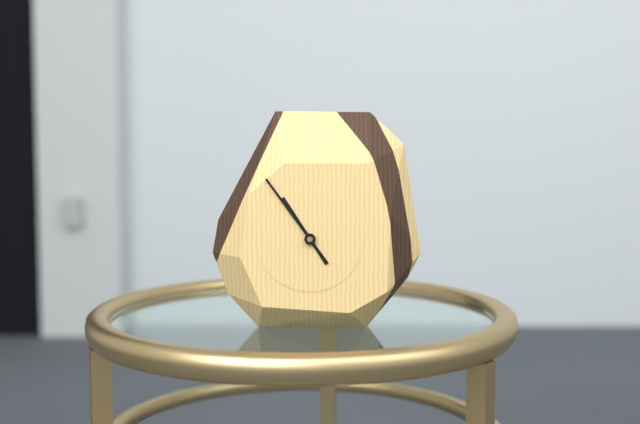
**10:54**
